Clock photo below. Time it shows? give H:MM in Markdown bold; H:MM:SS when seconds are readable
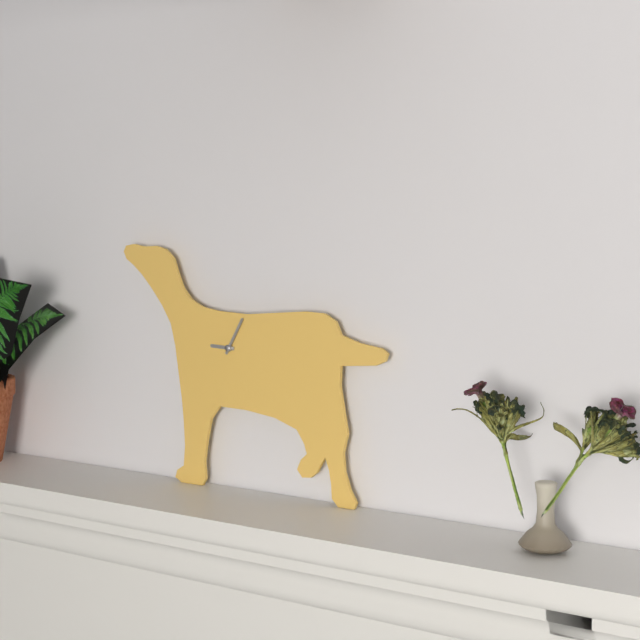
**9:05**
